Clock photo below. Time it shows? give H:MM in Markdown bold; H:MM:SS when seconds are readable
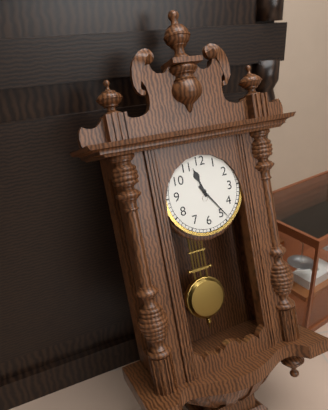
**11:24**
